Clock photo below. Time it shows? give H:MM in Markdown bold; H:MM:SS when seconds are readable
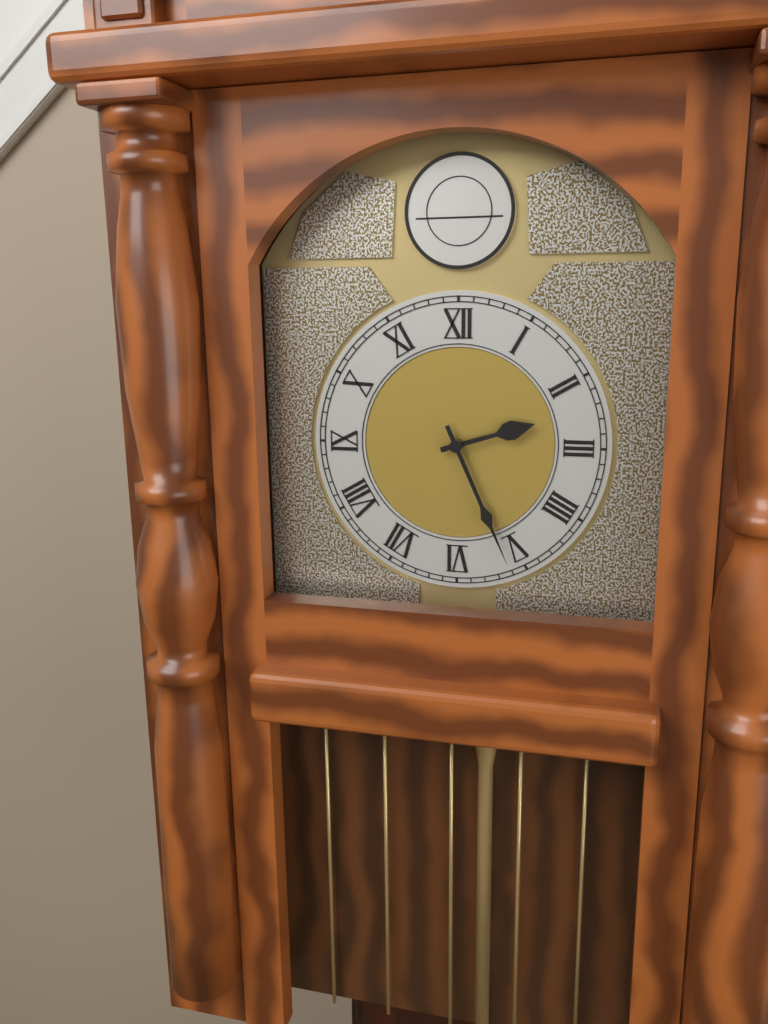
**2:26**
